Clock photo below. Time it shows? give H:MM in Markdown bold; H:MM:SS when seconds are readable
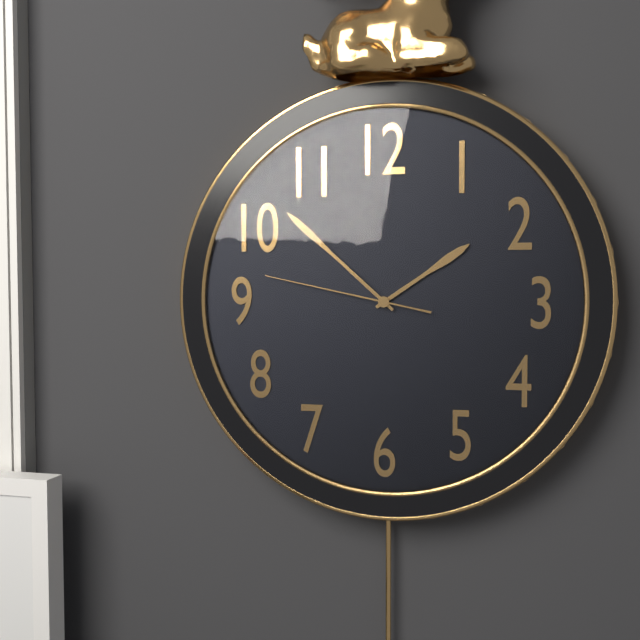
**1:52:47**
